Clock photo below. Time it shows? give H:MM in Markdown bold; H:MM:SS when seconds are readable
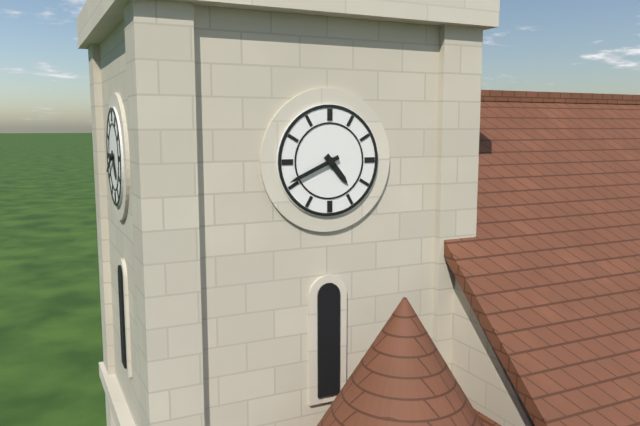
**4:41**
